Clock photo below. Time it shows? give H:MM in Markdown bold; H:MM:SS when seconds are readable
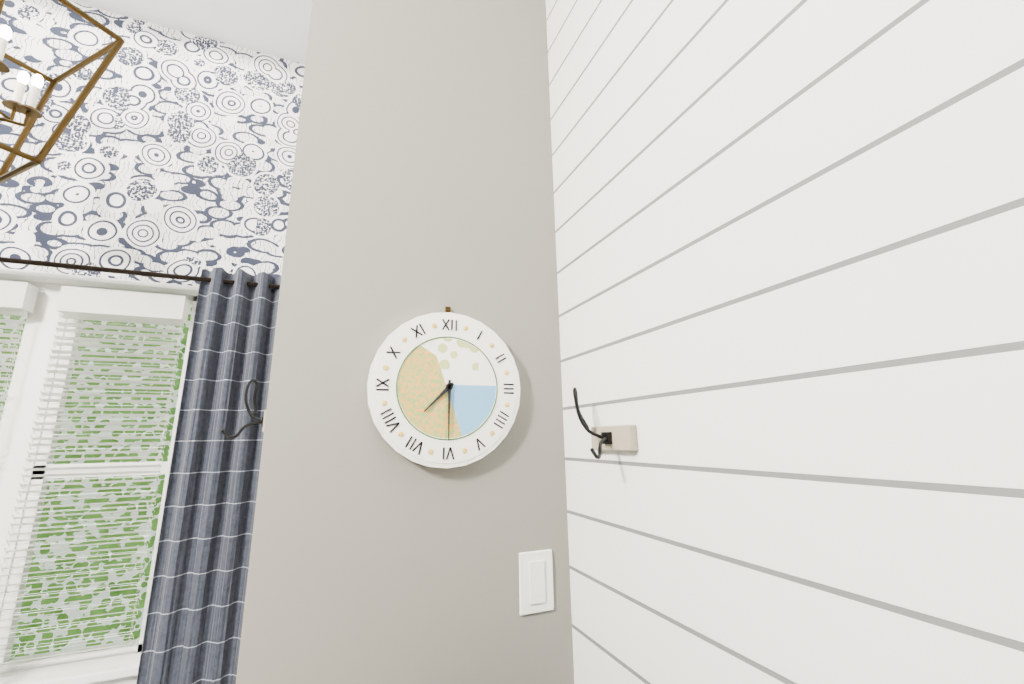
**7:30**
